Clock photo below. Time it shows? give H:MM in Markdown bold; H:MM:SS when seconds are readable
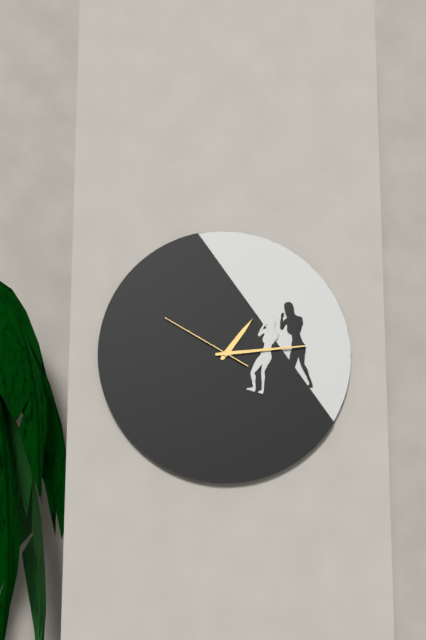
**1:14:50**
